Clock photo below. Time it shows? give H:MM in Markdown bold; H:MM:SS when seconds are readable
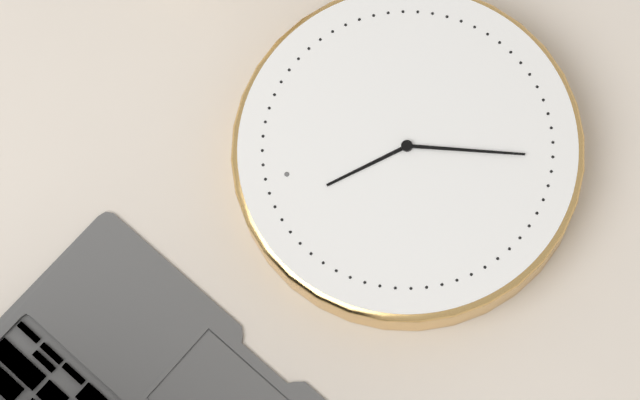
**11:33**
